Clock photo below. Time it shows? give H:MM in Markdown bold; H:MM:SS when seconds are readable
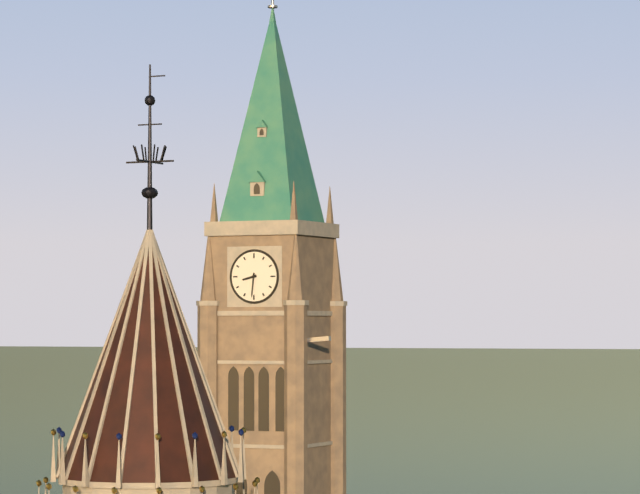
**8:31**
